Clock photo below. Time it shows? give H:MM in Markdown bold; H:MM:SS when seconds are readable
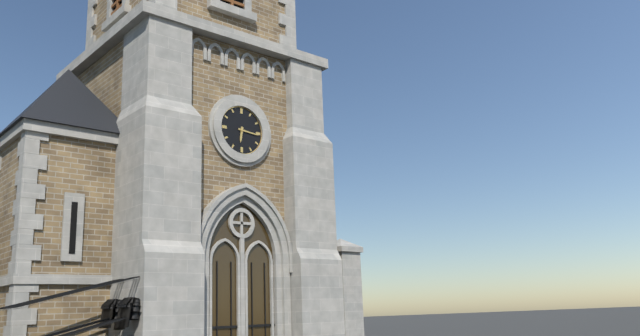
**6:16**
